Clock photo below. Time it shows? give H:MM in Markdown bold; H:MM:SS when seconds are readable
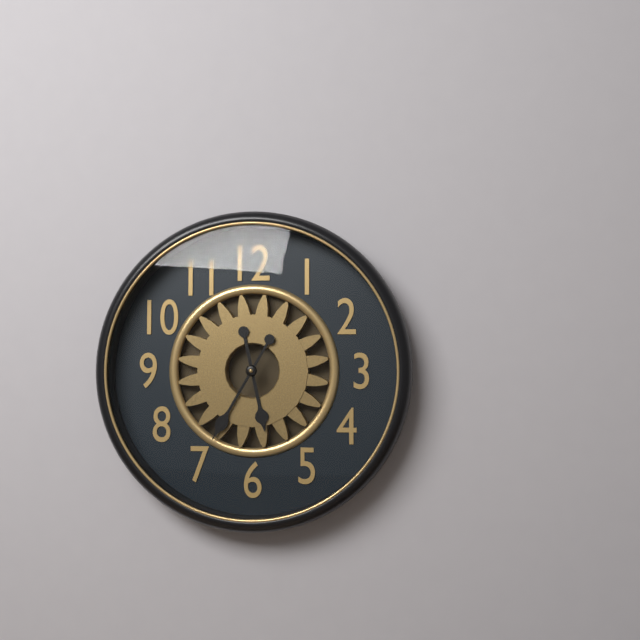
**5:35**
